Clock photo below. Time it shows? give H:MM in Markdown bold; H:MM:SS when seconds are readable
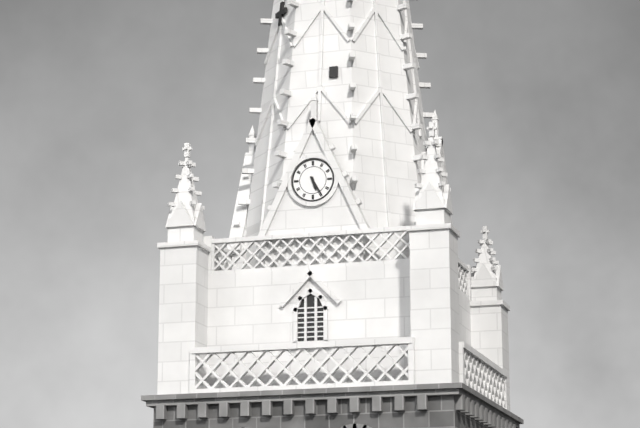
**5:25**
